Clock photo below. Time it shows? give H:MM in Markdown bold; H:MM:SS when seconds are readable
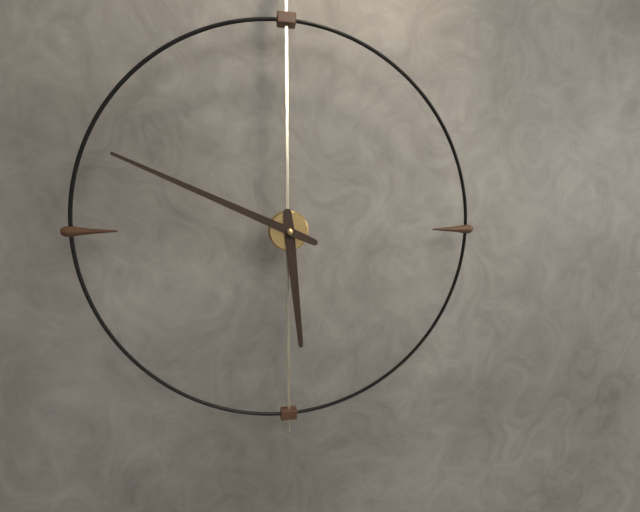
**5:49**
